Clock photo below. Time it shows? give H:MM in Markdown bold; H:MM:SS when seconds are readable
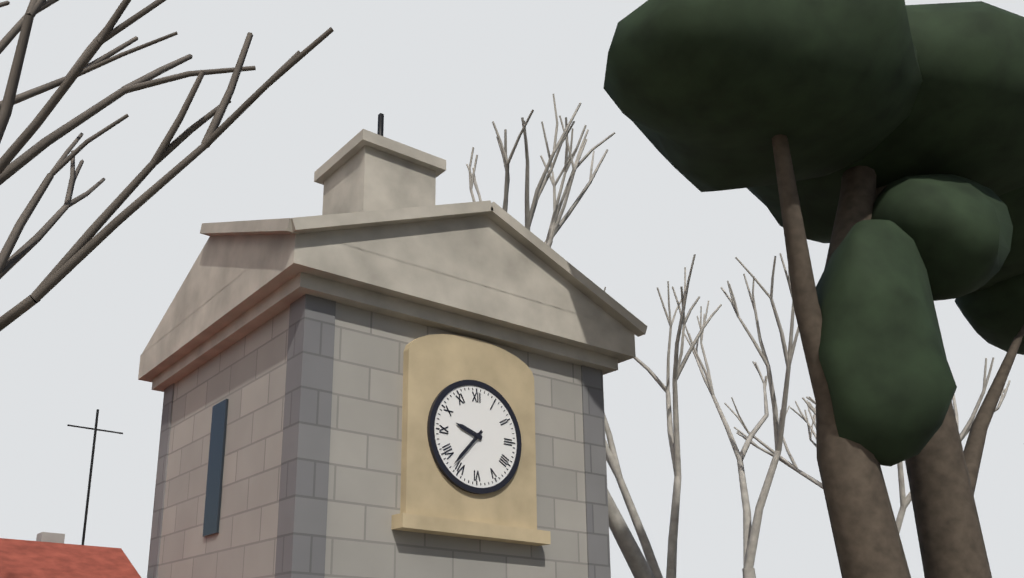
**9:37**
